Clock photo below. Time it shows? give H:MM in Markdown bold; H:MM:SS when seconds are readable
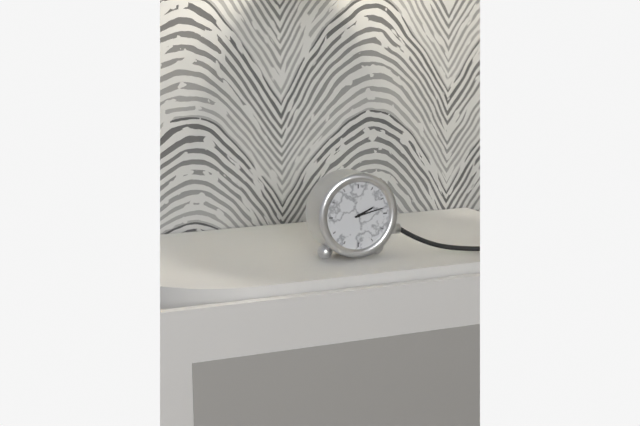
**2:13**
